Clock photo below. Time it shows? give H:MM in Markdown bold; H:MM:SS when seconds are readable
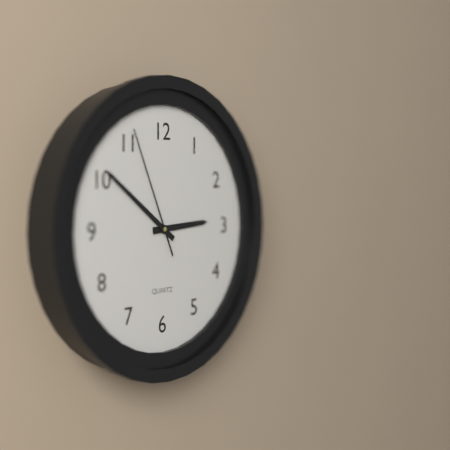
**2:51:56**
